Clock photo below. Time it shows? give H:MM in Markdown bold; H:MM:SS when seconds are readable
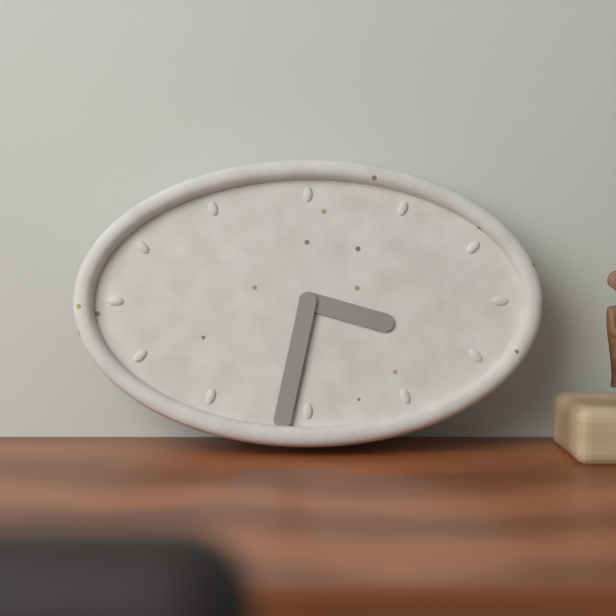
**3:32**
